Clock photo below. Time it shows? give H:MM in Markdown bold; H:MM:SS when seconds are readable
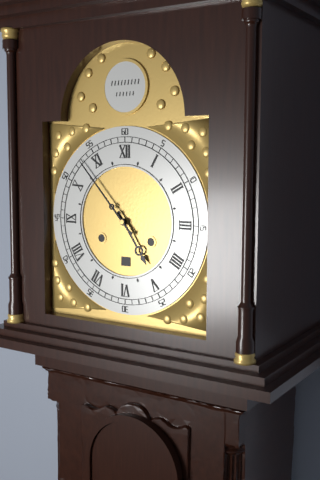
**4:53**
